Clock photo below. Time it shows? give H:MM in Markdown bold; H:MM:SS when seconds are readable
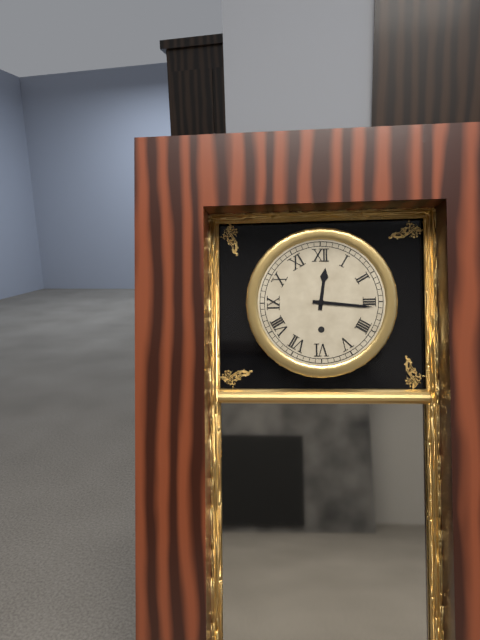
**12:16**
